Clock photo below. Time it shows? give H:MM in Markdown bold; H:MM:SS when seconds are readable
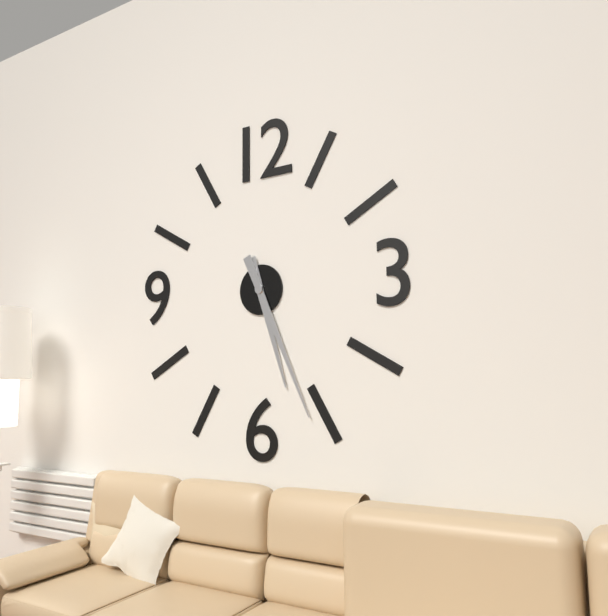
**5:26**
